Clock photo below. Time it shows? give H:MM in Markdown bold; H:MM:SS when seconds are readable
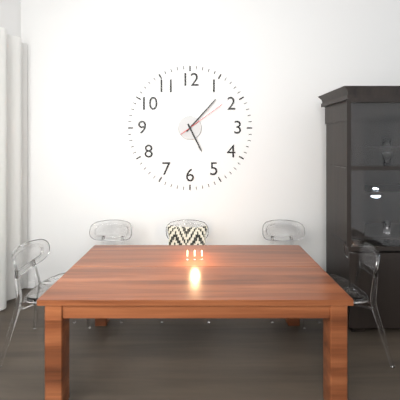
**5:07:09**
